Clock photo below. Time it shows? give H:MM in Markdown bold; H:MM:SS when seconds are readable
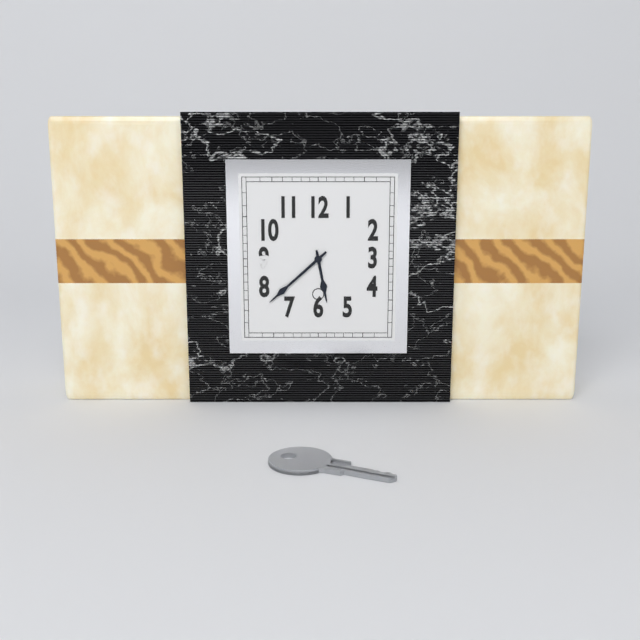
**5:38**
